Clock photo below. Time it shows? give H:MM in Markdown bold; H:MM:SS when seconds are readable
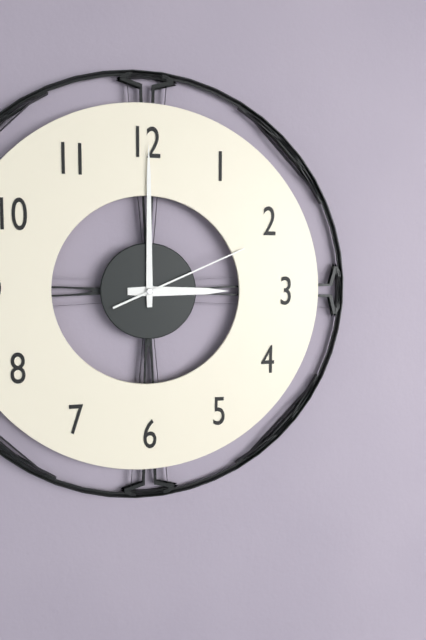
**3:00:11**
